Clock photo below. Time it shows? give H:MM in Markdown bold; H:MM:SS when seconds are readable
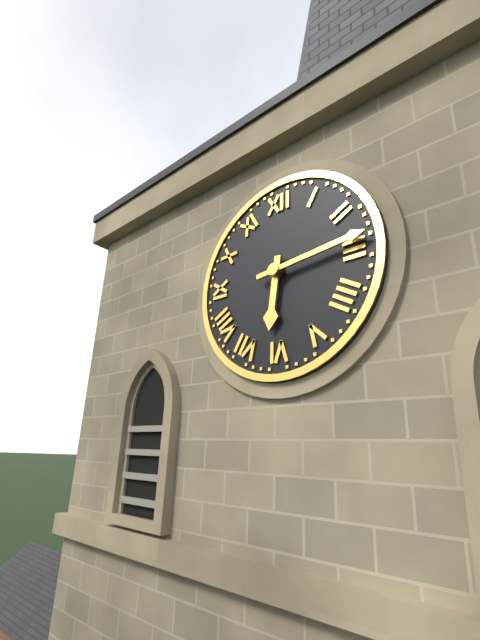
**6:14**
